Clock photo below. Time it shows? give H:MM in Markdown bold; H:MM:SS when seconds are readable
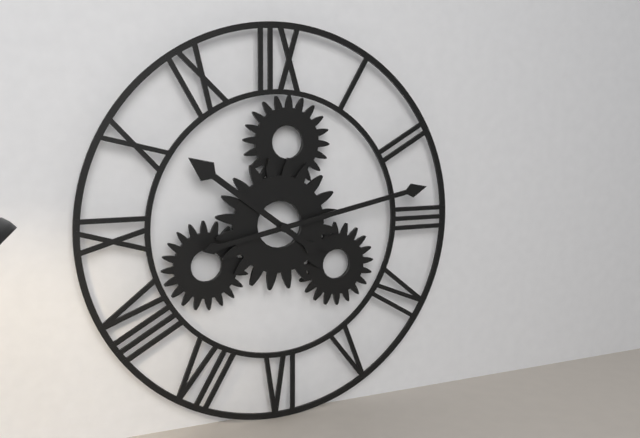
**10:13**
